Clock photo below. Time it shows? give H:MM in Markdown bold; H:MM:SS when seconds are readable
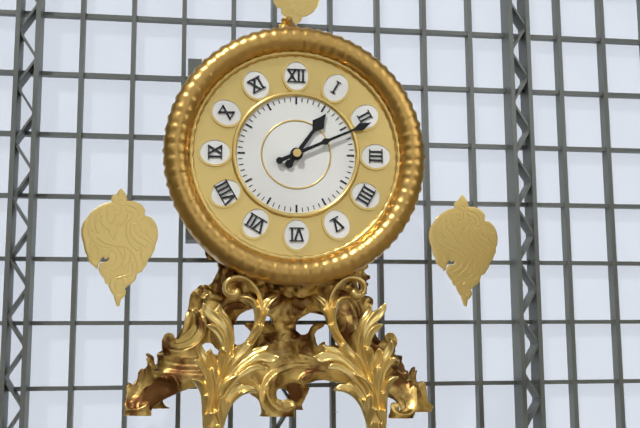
**1:11**
